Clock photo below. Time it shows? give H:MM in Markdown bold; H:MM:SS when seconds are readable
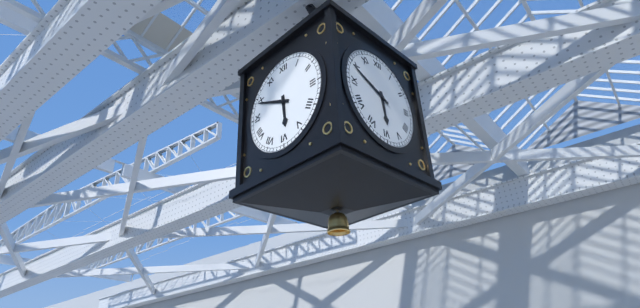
**5:49**
